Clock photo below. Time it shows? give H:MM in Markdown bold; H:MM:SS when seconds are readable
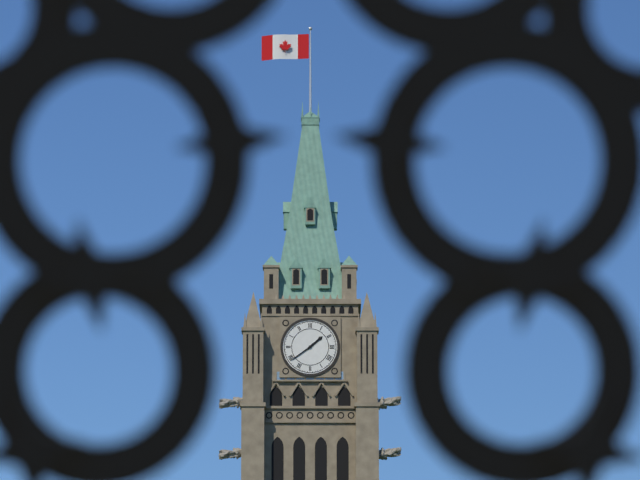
**1:39**
